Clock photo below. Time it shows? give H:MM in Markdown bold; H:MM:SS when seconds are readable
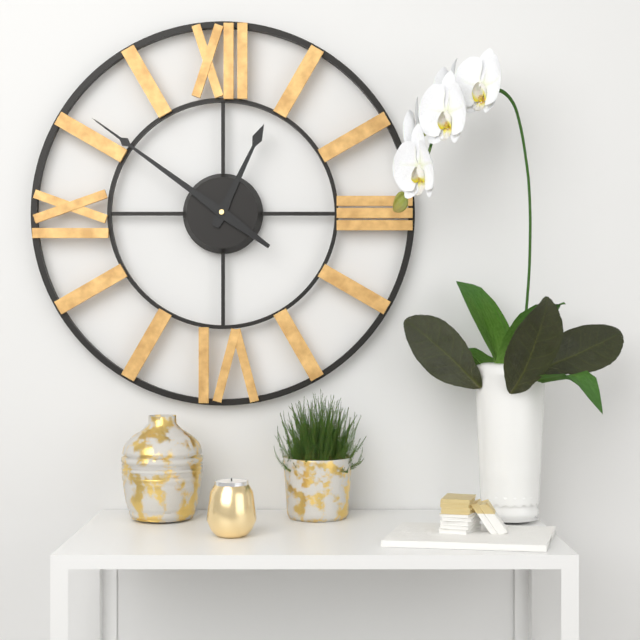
**12:51**
